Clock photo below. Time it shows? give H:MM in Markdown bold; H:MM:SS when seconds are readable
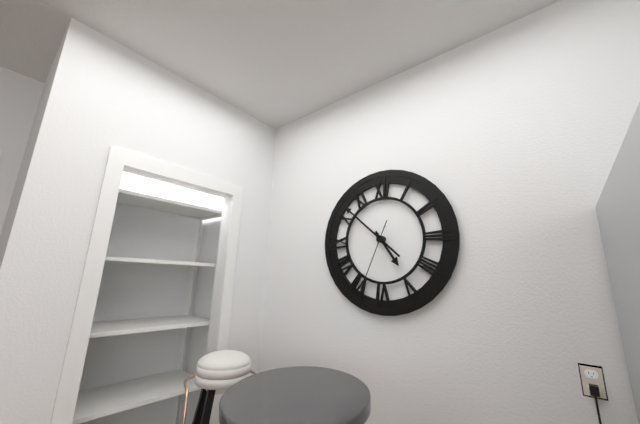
**4:52:34**
